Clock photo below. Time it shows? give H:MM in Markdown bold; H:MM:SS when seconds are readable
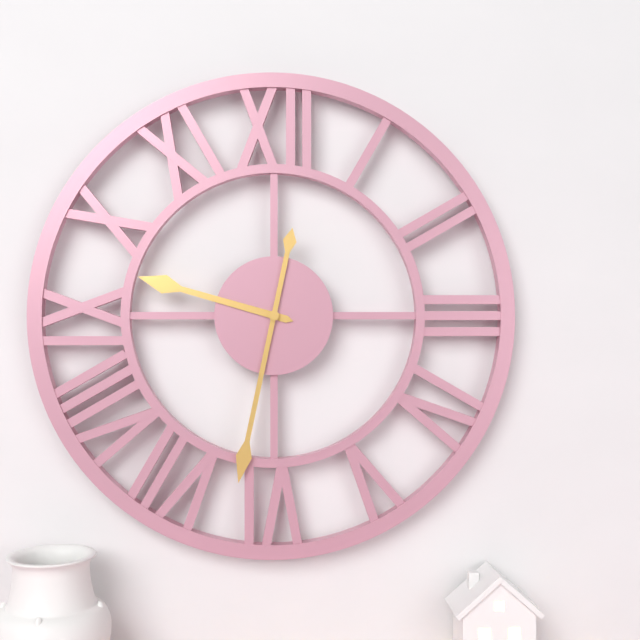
**9:32**
